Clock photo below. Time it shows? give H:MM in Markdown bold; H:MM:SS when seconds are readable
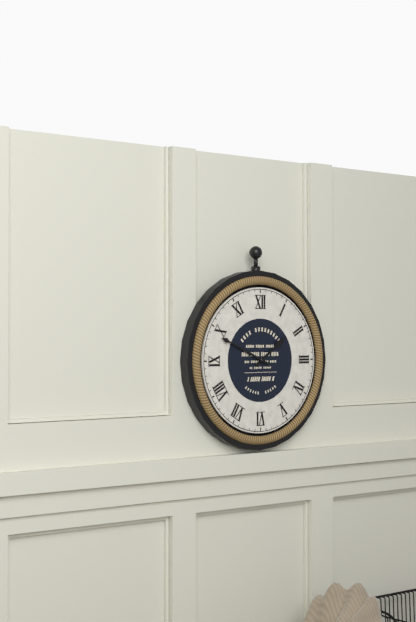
**1:49**
